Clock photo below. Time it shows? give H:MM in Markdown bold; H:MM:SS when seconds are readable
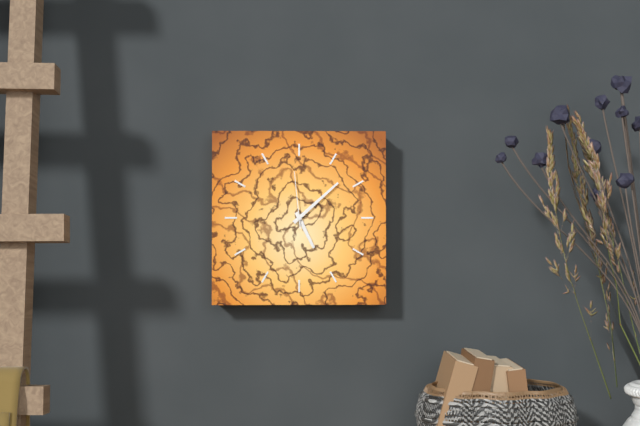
**5:08:59**
